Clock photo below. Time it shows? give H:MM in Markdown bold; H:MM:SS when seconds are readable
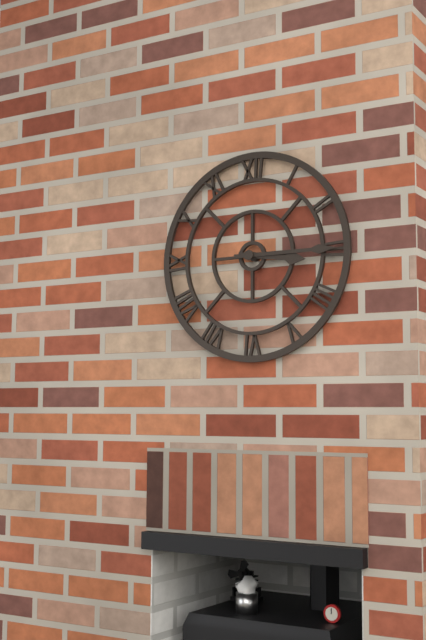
**3:15**
